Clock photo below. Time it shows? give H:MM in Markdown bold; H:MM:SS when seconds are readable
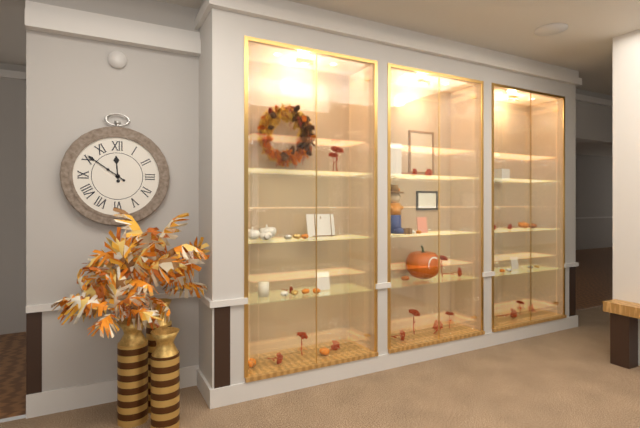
**11:51**
